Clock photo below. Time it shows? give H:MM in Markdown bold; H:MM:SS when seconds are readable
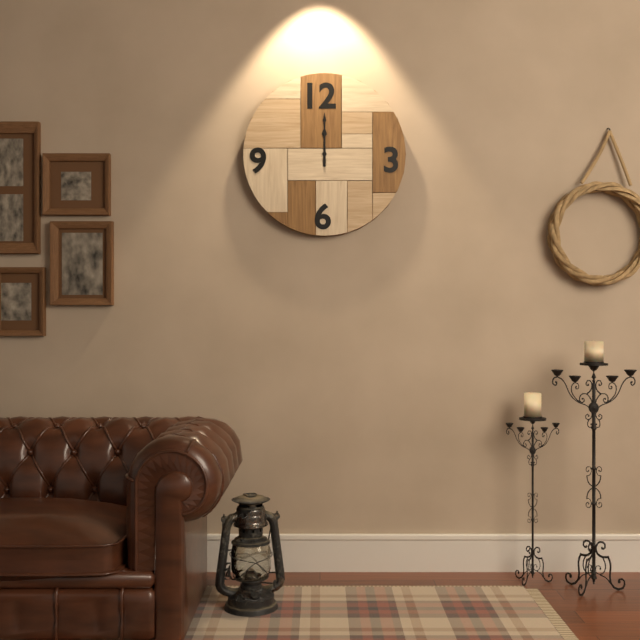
**12:00**
